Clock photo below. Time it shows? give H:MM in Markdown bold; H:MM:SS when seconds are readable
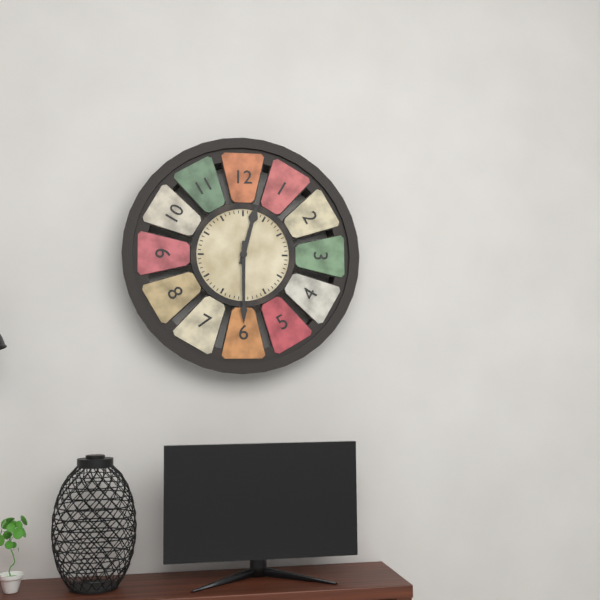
**12:30**
